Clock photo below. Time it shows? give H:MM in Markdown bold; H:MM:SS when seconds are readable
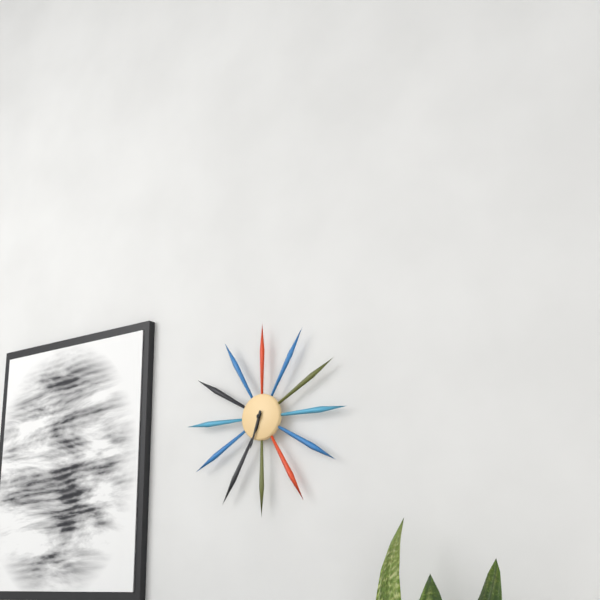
**6:33**
